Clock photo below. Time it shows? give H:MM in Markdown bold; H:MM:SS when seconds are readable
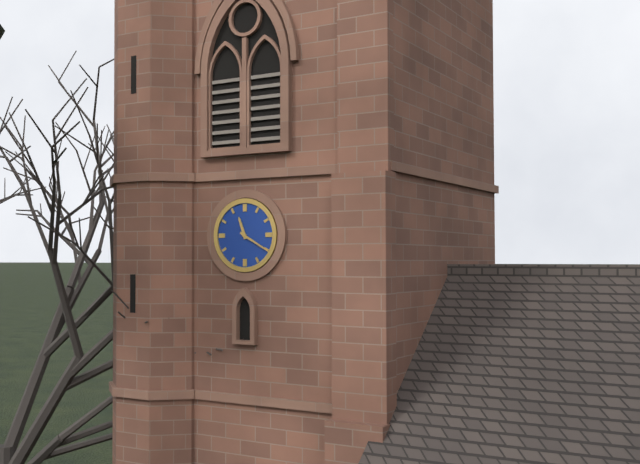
**11:20**
